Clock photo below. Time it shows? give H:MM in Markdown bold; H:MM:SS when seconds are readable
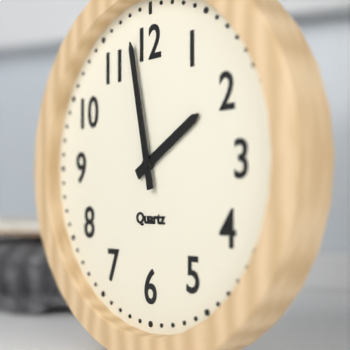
**1:58**
